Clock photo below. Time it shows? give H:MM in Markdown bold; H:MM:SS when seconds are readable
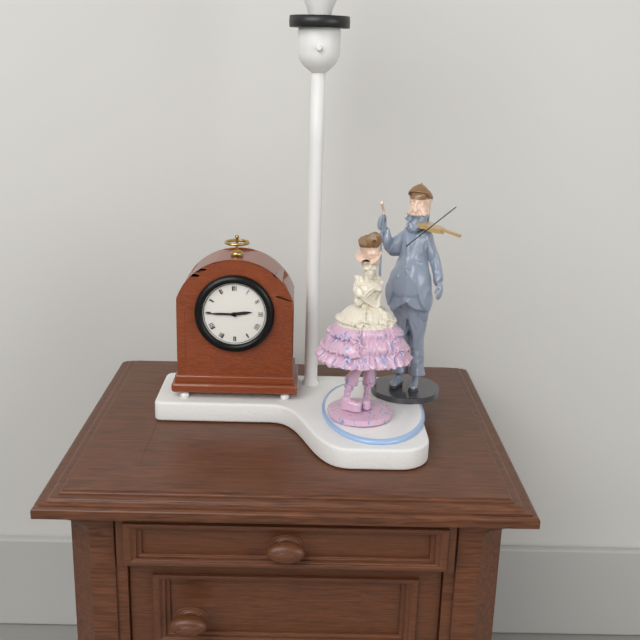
**2:45**
